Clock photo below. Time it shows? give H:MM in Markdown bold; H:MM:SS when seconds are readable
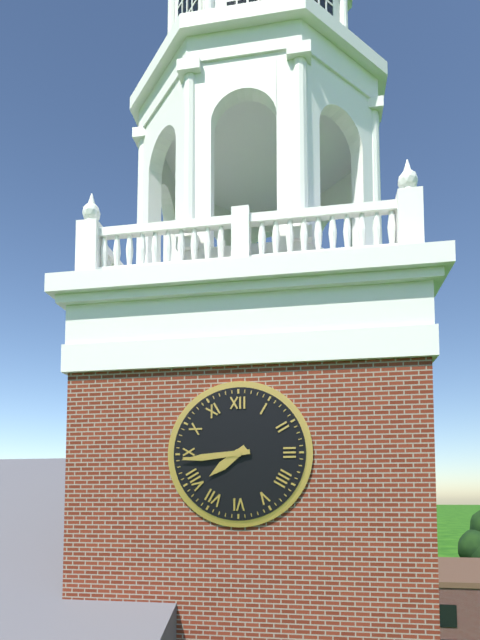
**7:44**
